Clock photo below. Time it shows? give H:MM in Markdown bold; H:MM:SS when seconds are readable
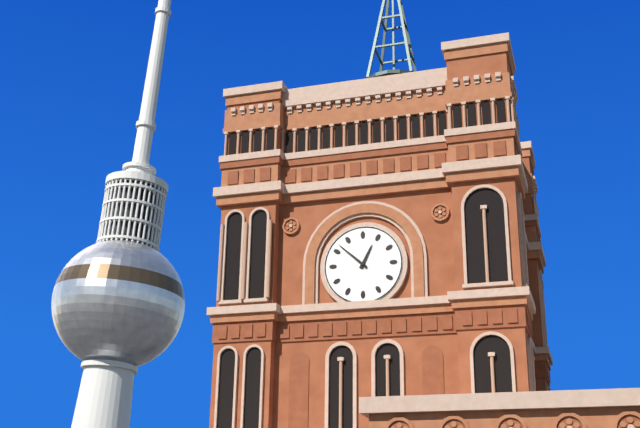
**12:52**
